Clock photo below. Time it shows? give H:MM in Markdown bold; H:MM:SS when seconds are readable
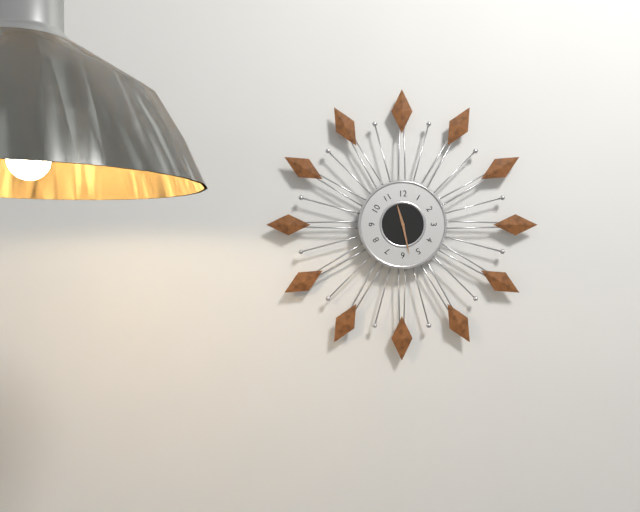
**11:28**
